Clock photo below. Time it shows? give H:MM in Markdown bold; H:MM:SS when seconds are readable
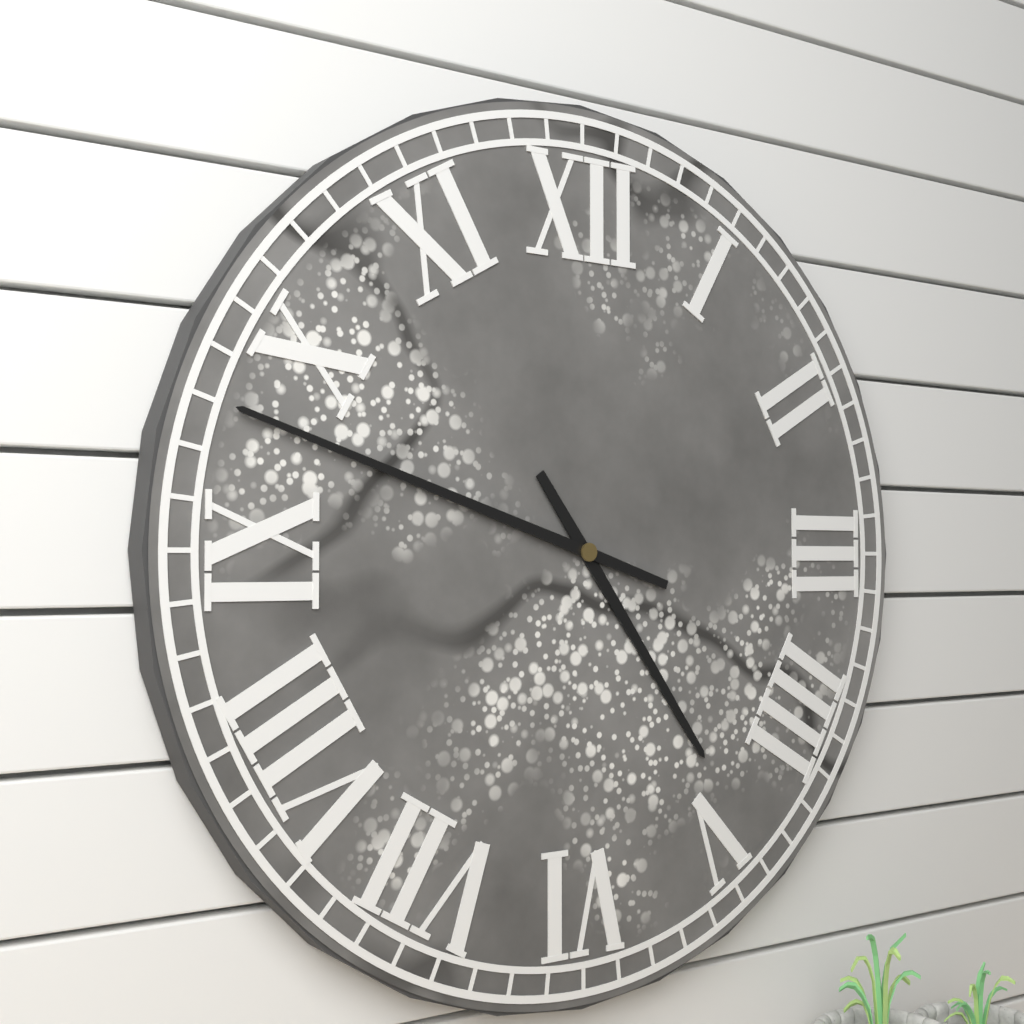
**4:48**
